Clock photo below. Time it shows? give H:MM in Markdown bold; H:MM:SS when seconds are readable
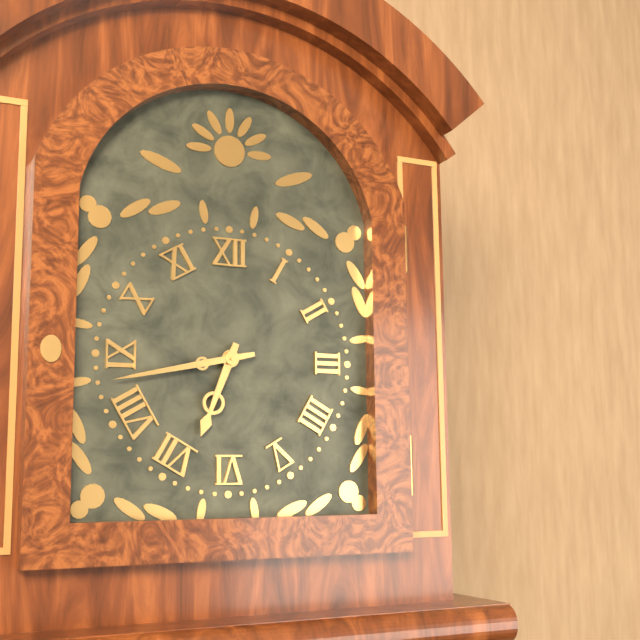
**6:43**
